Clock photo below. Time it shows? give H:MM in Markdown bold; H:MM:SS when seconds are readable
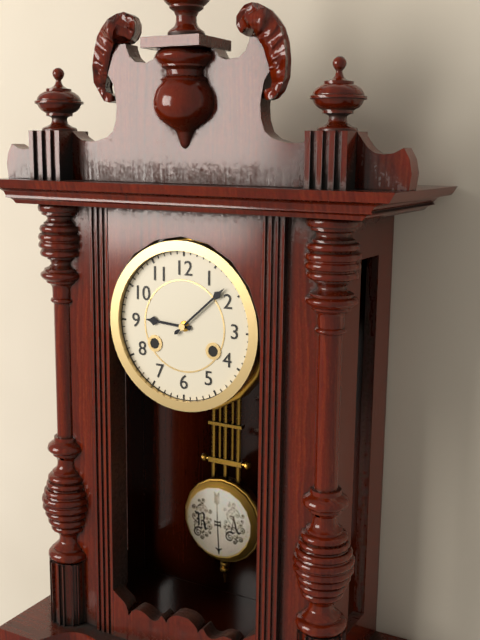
**9:08**
